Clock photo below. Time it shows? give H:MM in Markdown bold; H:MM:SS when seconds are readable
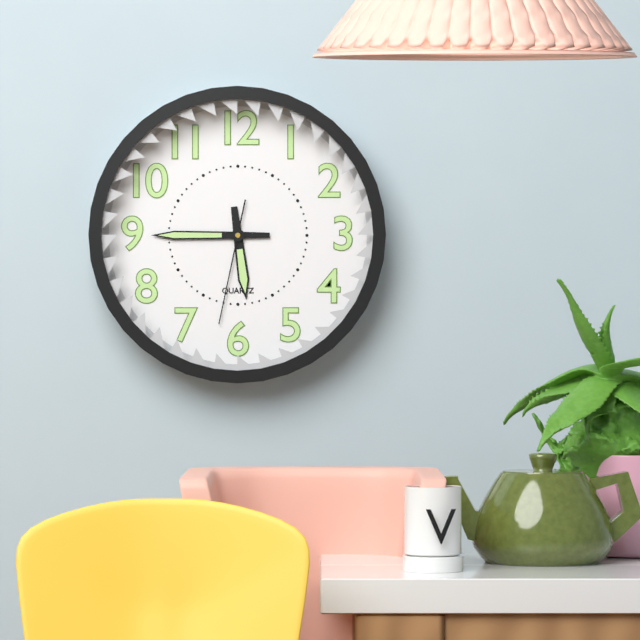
**5:45:32**
